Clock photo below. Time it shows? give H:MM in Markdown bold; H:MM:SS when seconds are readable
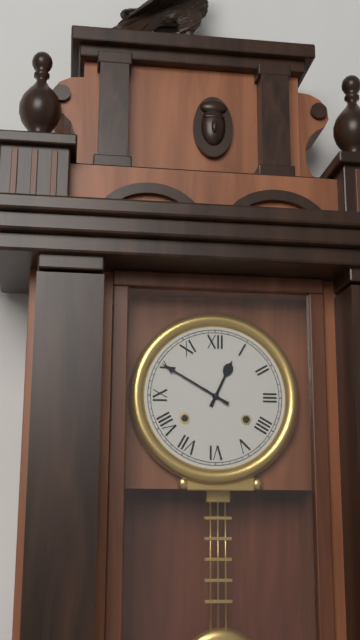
**12:50**
